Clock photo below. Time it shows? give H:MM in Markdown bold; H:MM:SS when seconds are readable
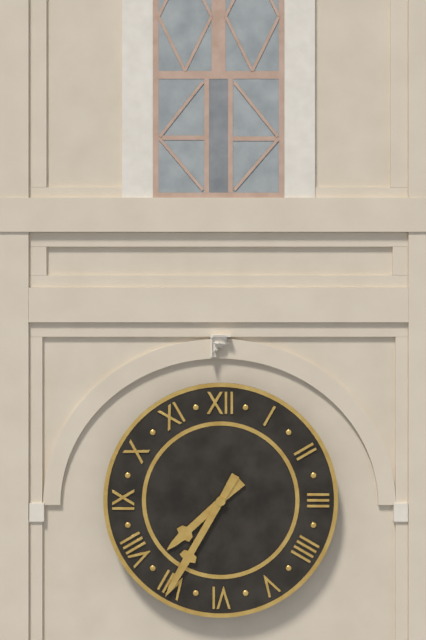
**7:35**
